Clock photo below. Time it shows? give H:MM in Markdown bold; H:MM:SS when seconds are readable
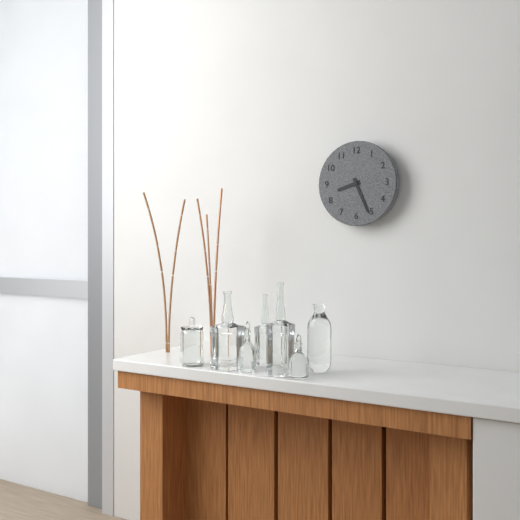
**8:26**
